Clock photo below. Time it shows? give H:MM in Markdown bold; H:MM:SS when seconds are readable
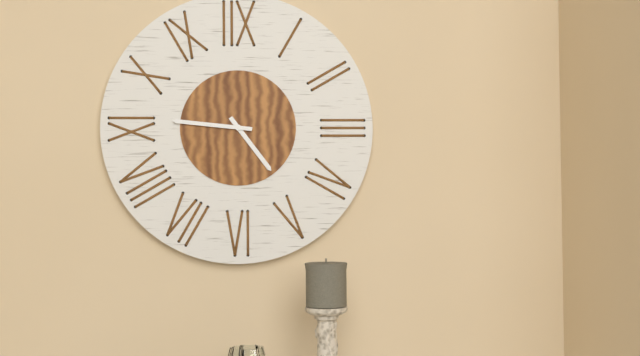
**4:46**
